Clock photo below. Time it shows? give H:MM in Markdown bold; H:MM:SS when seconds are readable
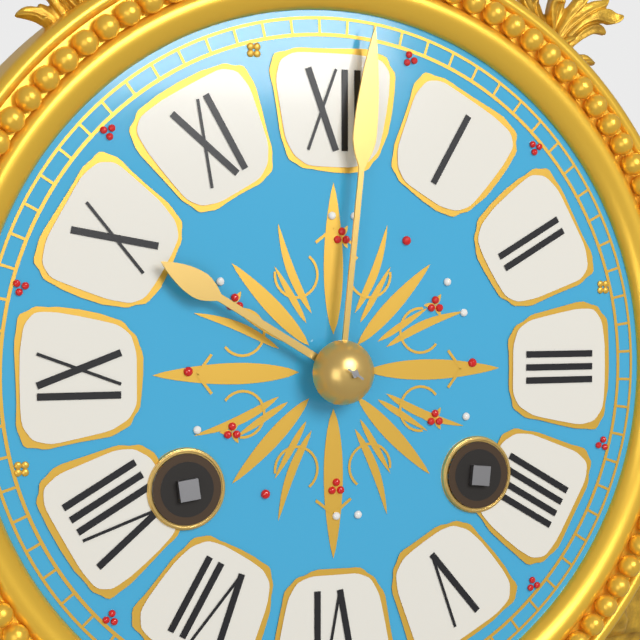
**10:01**
